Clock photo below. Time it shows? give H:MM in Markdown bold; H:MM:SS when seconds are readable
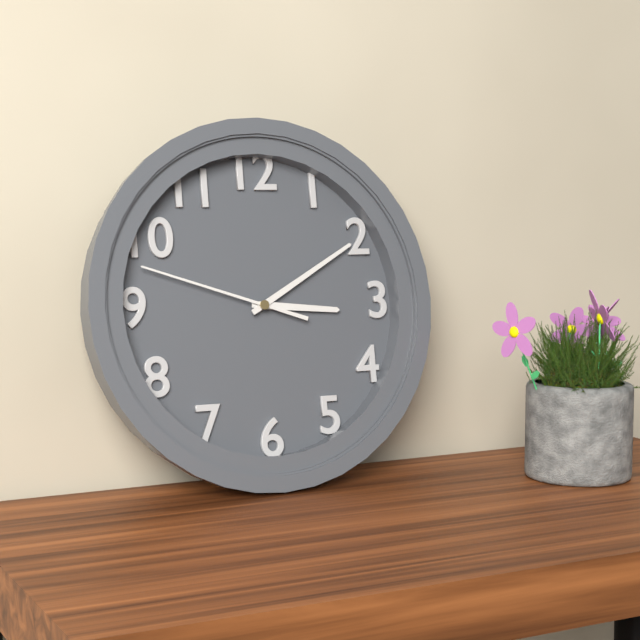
**3:10:48**
